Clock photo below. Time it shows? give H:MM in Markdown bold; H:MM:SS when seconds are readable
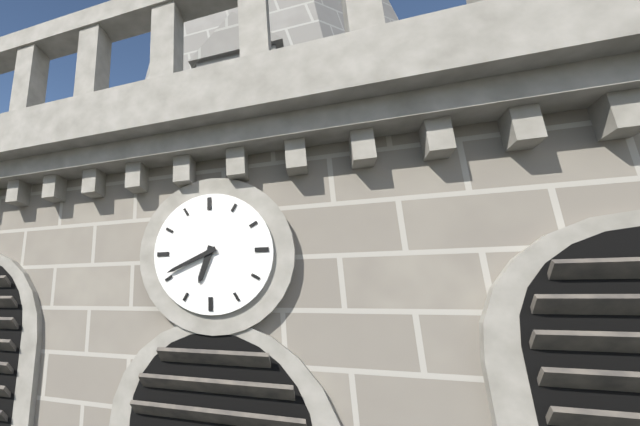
**6:41**
